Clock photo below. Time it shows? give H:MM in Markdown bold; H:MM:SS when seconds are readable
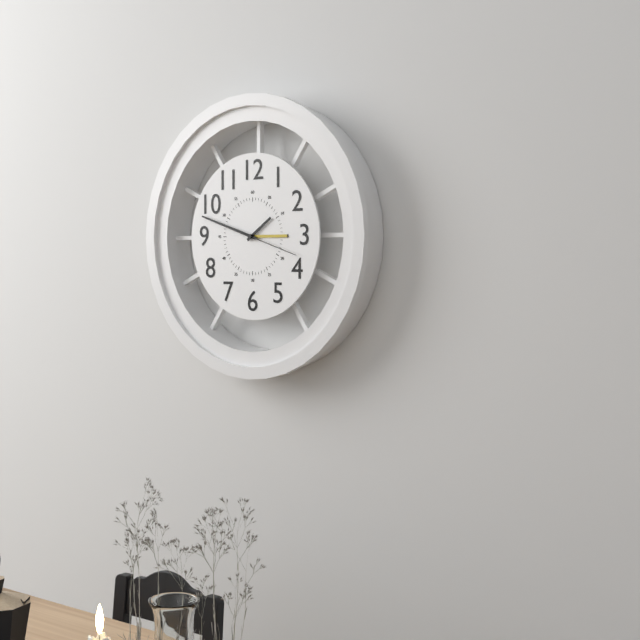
**1:48:18**
